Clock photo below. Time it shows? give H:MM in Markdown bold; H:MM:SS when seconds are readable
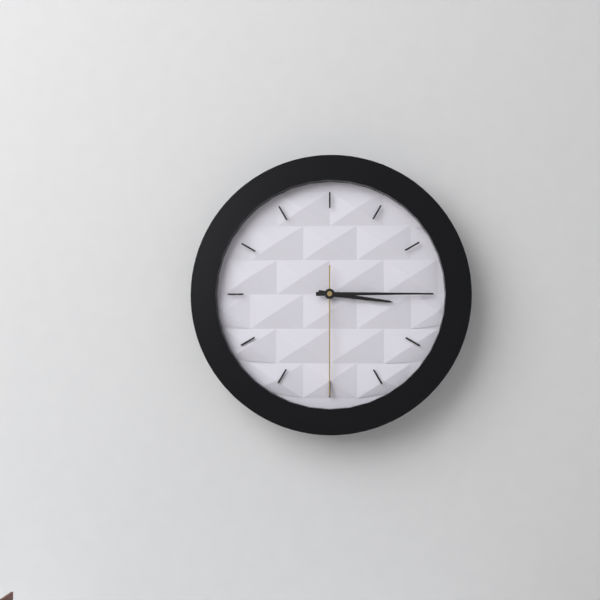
**3:15:30**
